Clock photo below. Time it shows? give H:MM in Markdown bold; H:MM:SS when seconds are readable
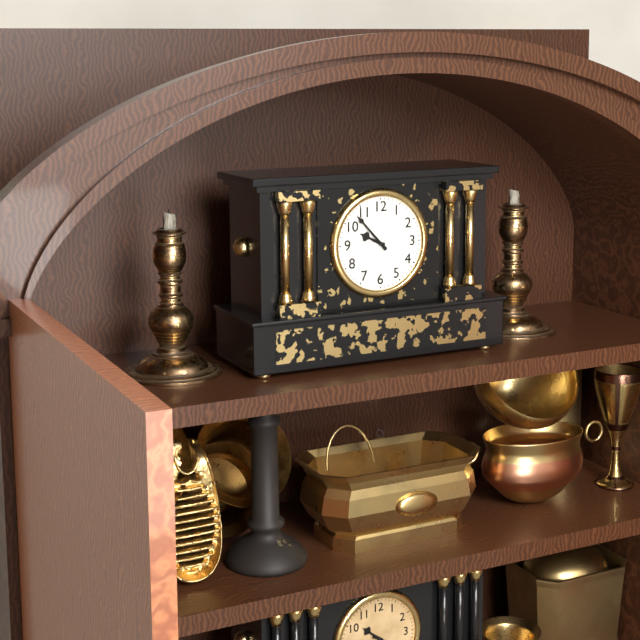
**9:53**
